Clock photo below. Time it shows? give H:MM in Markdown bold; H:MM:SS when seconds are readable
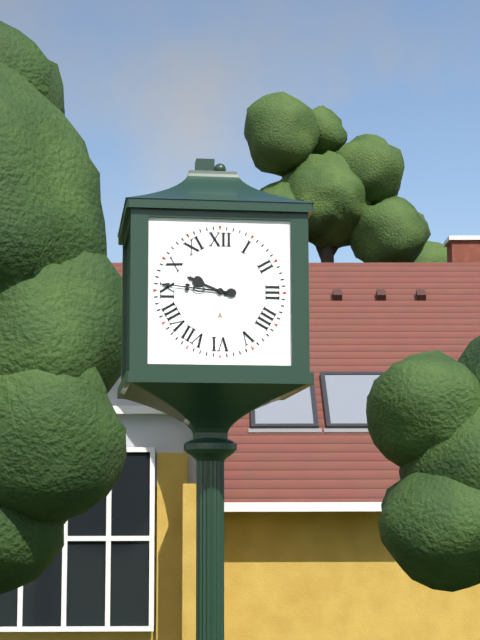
**9:46**
